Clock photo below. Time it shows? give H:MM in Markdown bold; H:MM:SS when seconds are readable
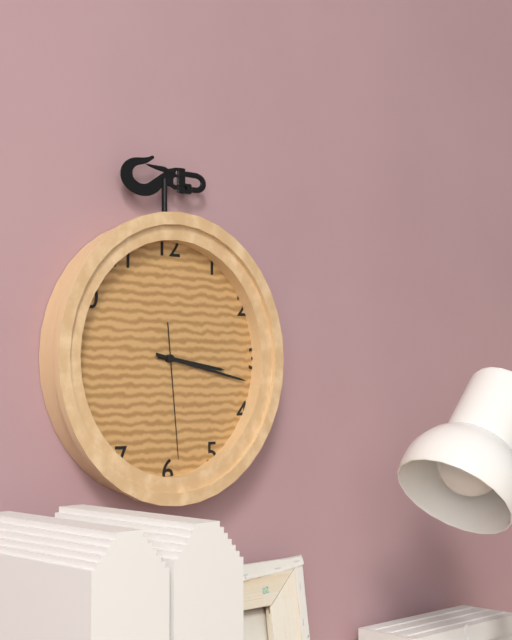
**3:17:29**
